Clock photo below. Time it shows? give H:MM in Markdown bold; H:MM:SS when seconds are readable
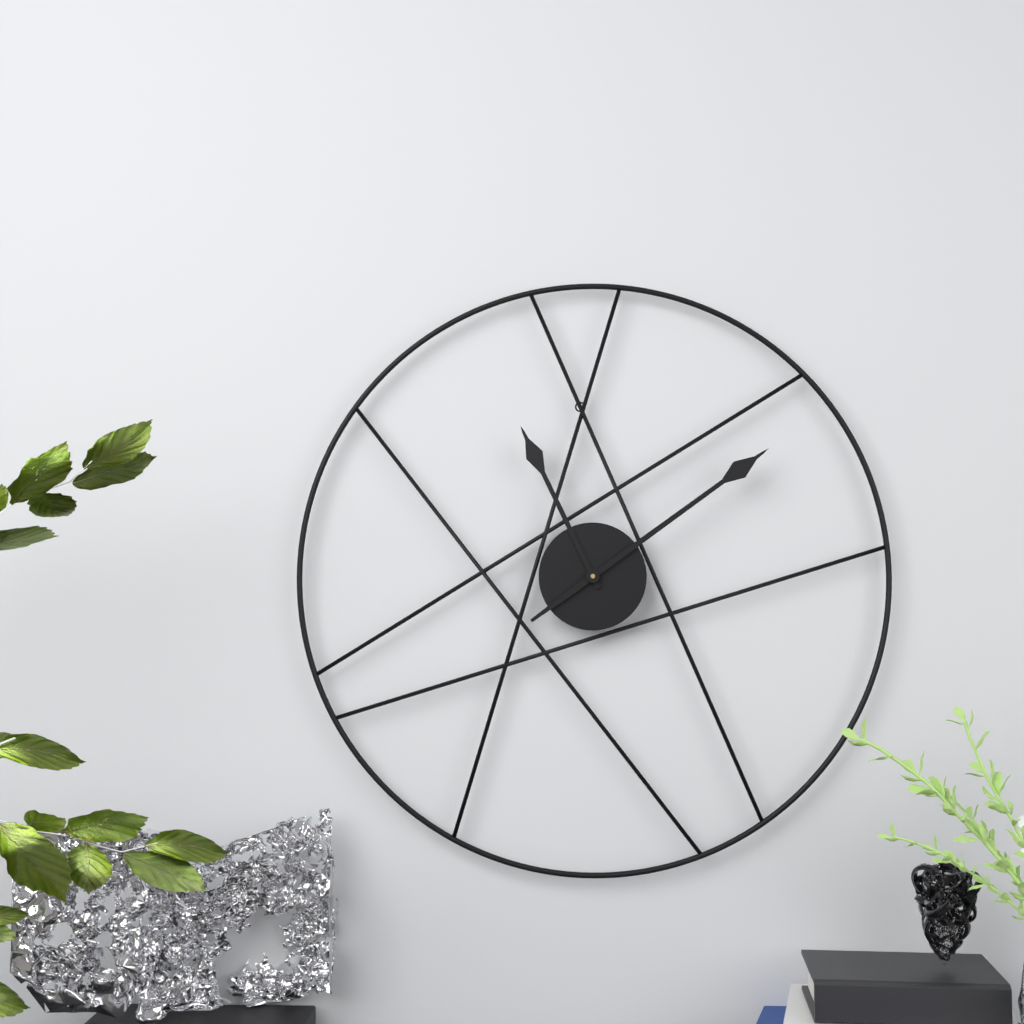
**11:09**
